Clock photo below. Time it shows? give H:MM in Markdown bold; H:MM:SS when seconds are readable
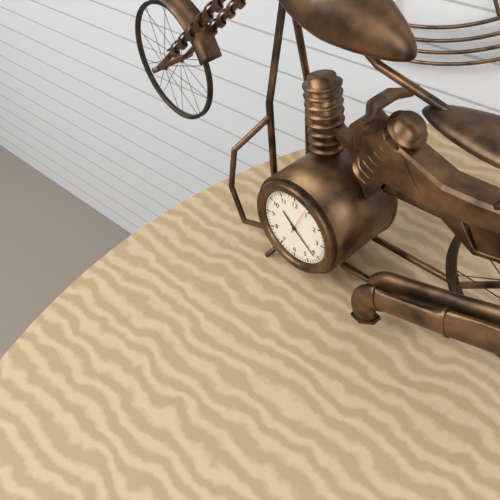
**10:21**
